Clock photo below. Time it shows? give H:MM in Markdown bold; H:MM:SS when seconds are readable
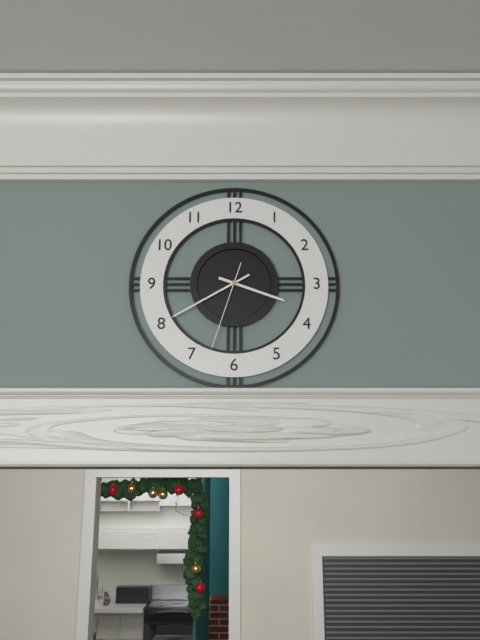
**3:40:33**
